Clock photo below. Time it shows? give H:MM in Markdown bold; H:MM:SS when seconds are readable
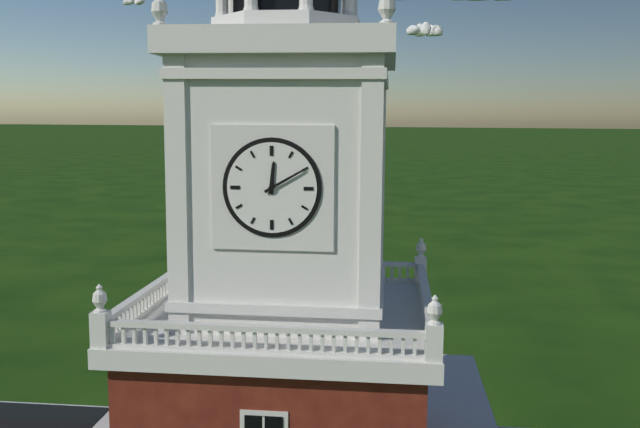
**12:10**
